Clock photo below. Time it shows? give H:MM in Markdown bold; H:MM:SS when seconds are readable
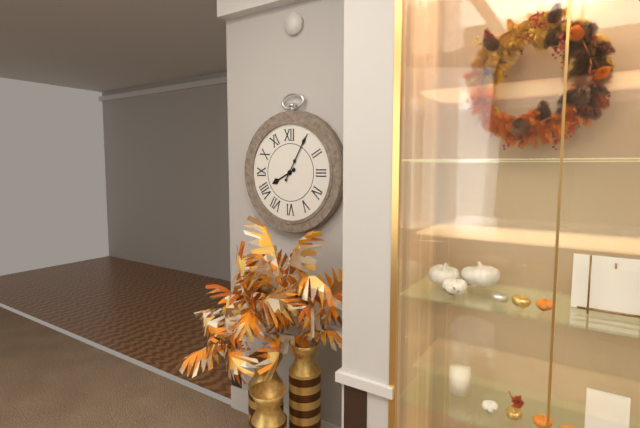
**8:05**
